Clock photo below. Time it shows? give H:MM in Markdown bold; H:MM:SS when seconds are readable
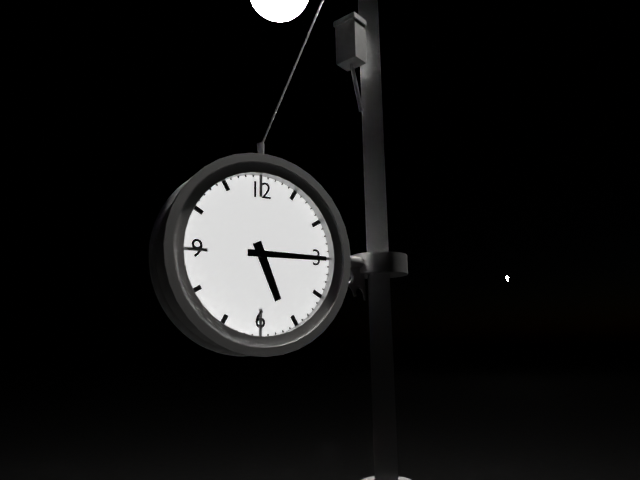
**5:15**
